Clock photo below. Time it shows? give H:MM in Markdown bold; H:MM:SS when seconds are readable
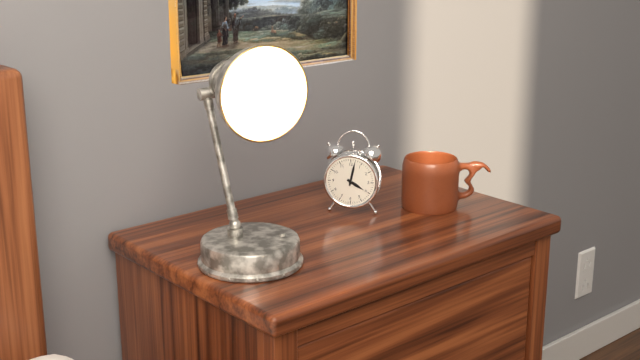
**4:02**
